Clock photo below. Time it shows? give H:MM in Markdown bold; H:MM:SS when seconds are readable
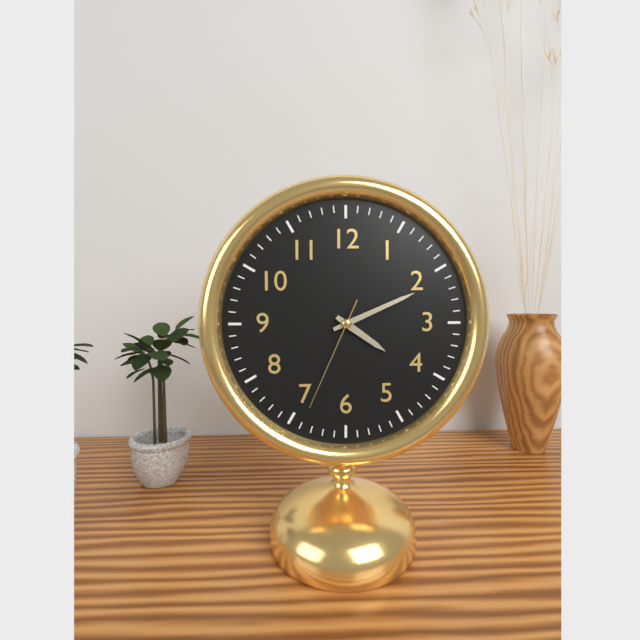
**4:11:34**
